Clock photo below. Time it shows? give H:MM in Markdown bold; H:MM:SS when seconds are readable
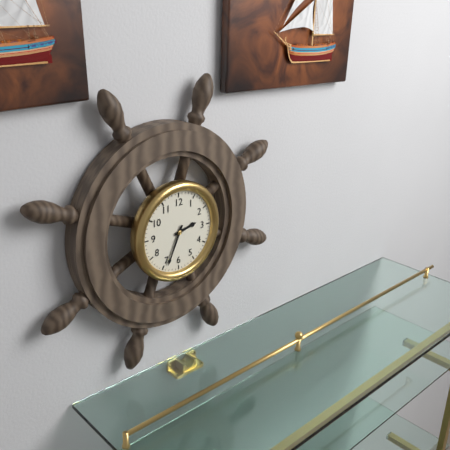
**2:34**
